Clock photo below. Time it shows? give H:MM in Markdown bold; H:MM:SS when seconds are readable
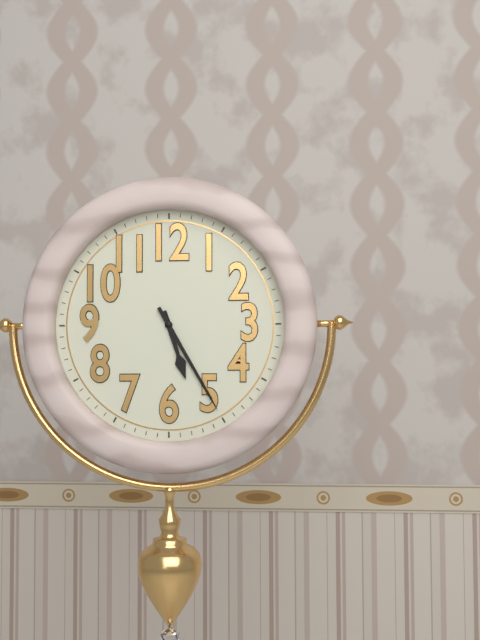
**5:25**
